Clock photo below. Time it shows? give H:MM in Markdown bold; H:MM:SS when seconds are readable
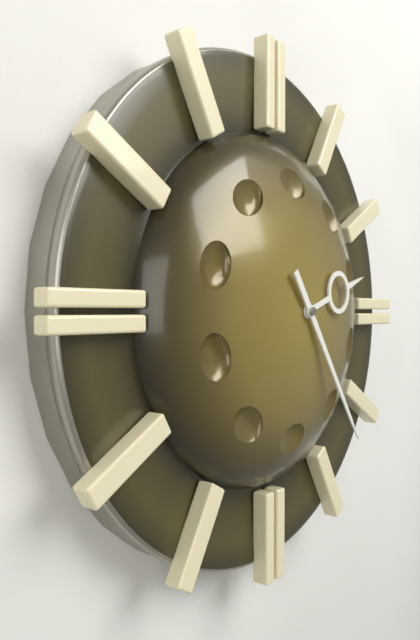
**2:24**
